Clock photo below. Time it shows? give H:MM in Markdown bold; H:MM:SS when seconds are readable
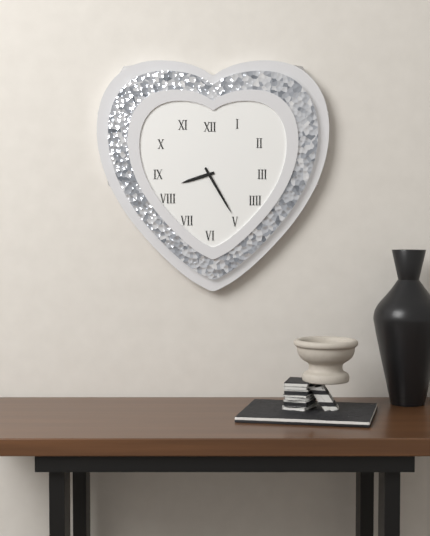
**8:25**
